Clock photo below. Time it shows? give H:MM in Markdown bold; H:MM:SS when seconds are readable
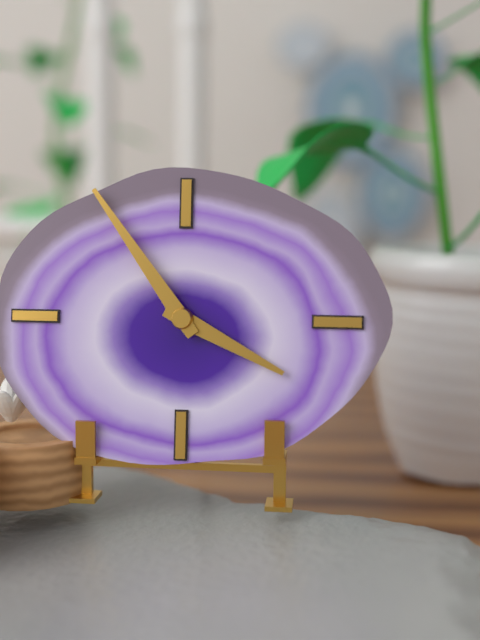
**3:54**
